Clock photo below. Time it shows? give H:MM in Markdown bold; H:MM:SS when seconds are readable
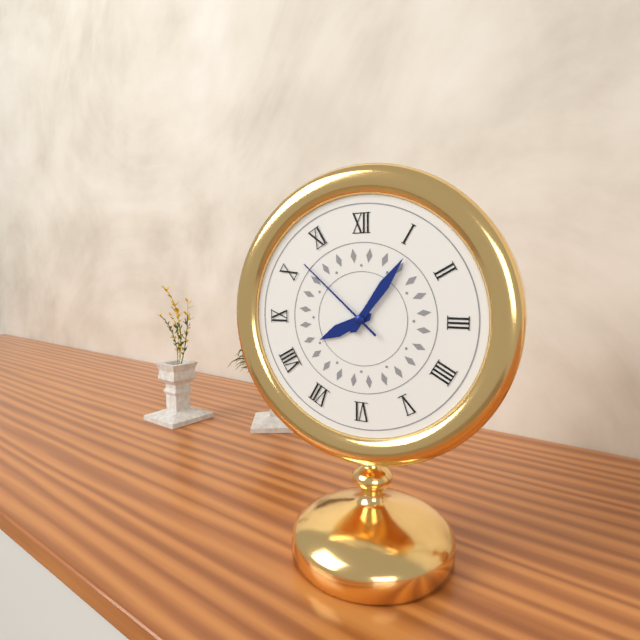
**8:06:52**
